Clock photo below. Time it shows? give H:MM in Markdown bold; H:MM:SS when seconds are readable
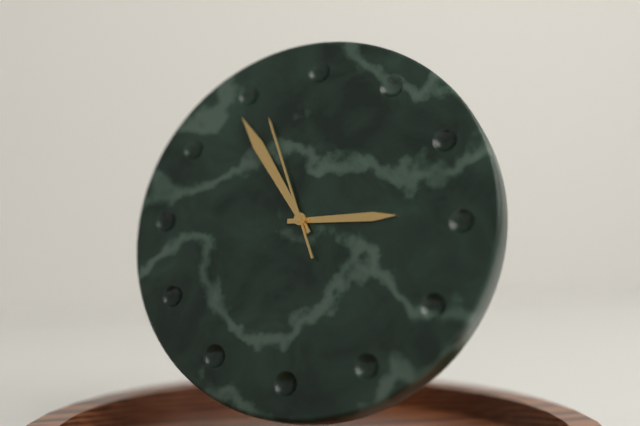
**2:54:56**
